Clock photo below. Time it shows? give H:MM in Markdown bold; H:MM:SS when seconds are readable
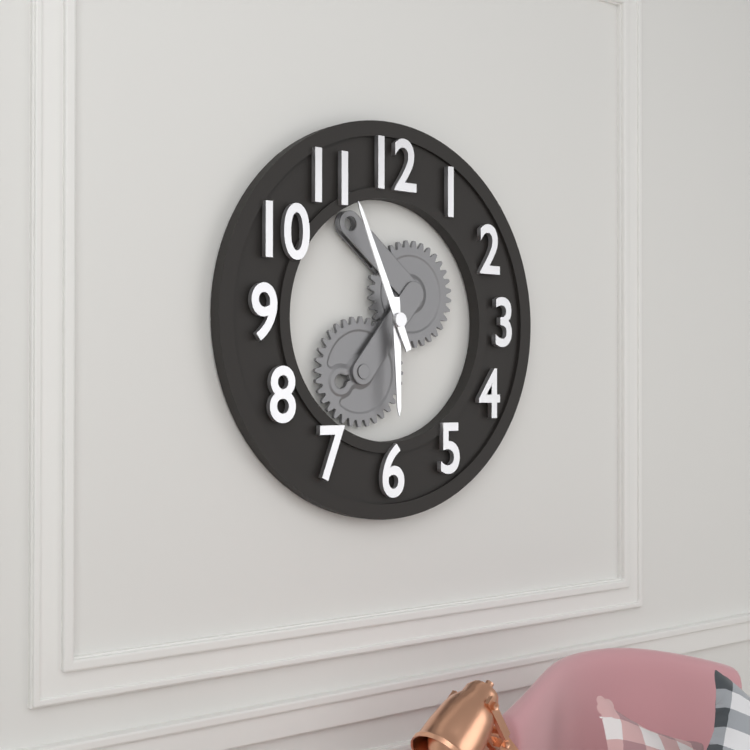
**5:56**
